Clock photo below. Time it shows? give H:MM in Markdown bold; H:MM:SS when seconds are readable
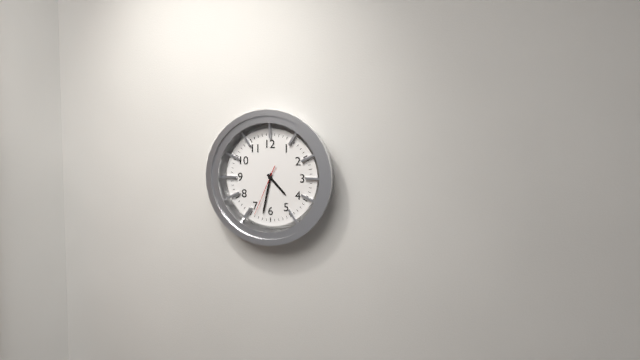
**4:32**
